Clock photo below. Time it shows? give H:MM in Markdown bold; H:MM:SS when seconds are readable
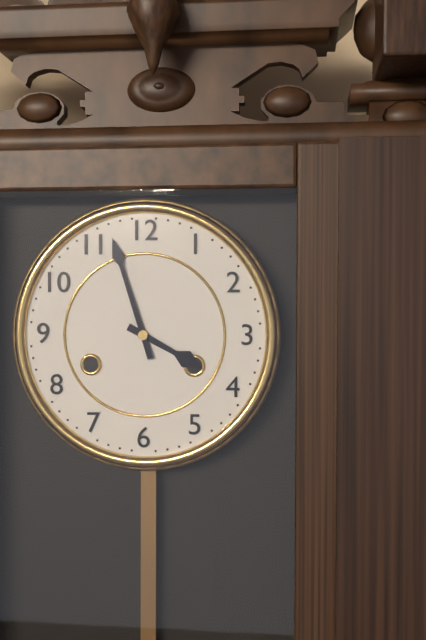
**3:57**
